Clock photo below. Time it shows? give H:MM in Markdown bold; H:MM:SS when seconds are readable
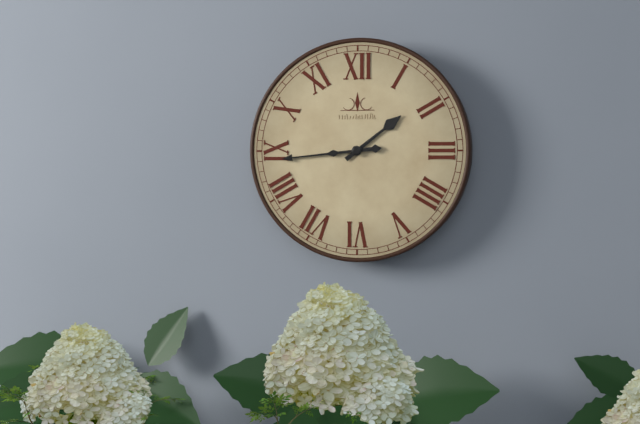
**1:44**
